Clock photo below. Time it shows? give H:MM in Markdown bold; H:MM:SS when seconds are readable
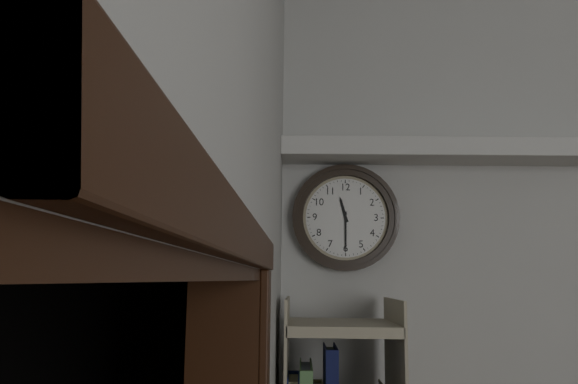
**11:30**
